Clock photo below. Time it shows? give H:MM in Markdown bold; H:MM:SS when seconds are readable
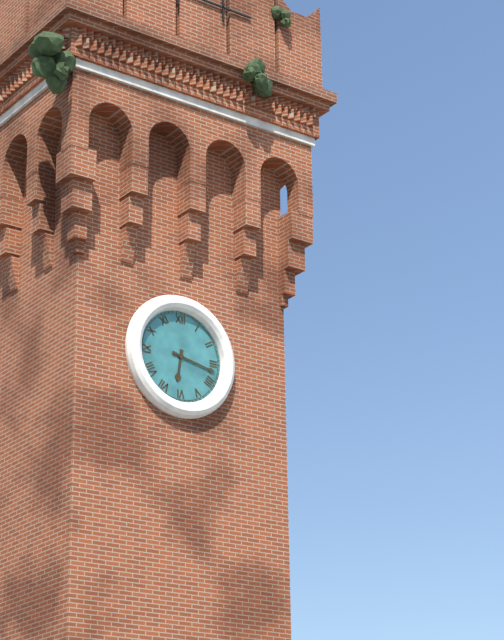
**6:17**
